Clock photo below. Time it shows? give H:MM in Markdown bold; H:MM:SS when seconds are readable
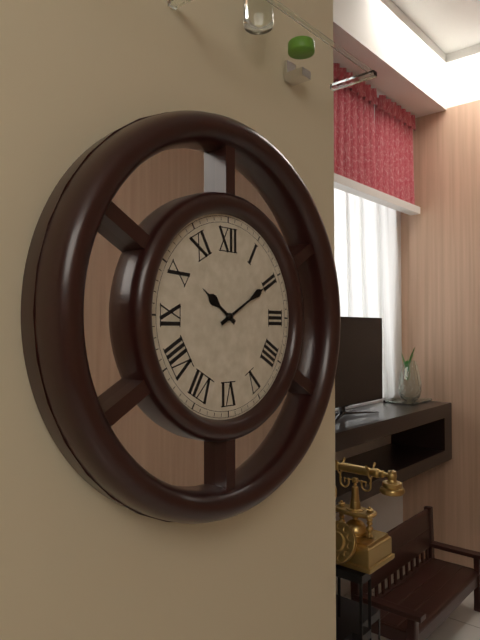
**10:10**
